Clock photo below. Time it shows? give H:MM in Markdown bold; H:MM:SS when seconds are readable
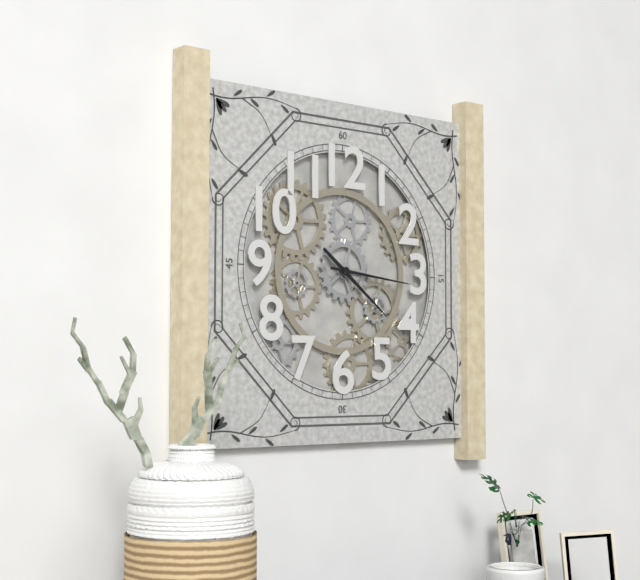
**4:16**
